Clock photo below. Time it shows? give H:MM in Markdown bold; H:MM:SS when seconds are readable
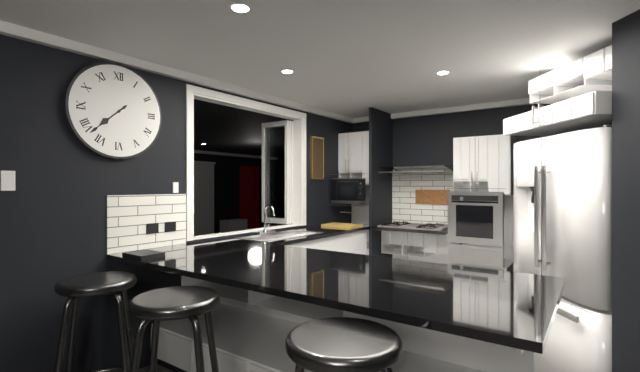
**7:38**
